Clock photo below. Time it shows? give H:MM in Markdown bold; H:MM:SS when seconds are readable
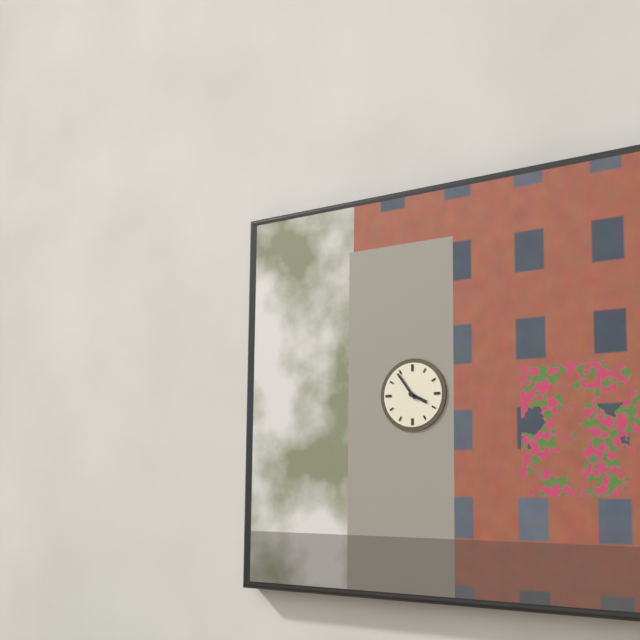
**3:54**
